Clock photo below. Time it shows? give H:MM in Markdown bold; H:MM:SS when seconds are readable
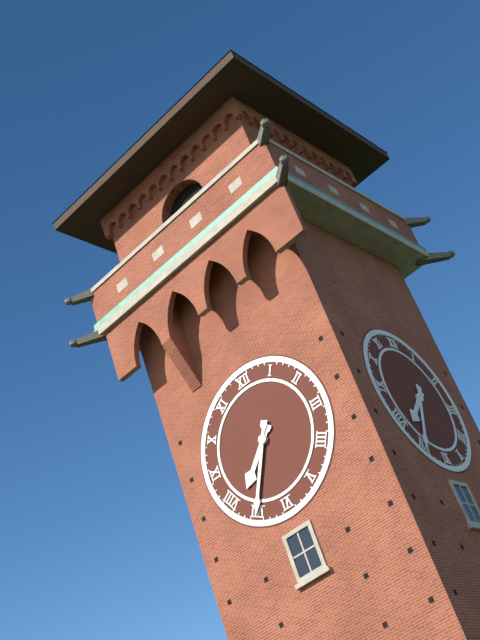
**7:35**
